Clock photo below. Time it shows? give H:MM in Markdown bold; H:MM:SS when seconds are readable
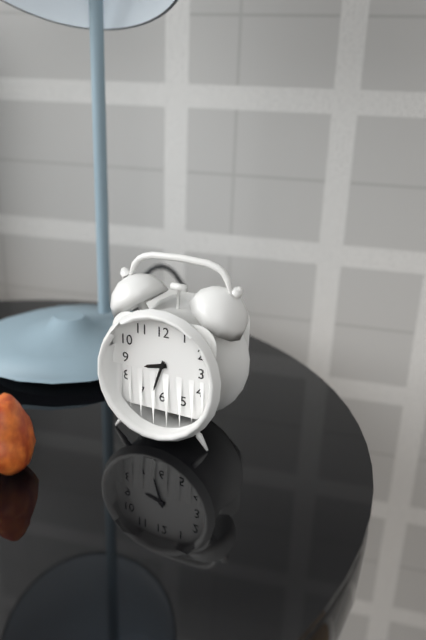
**8:33**
